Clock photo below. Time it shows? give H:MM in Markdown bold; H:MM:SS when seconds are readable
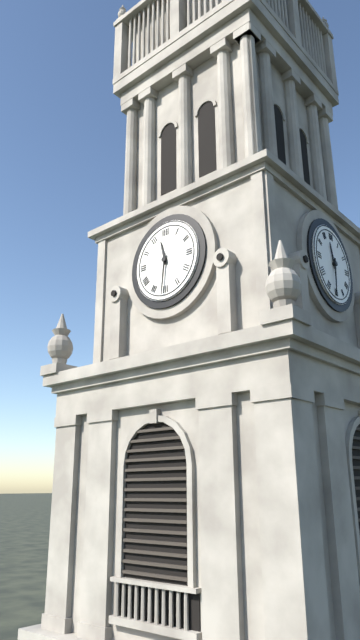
**11:31**
